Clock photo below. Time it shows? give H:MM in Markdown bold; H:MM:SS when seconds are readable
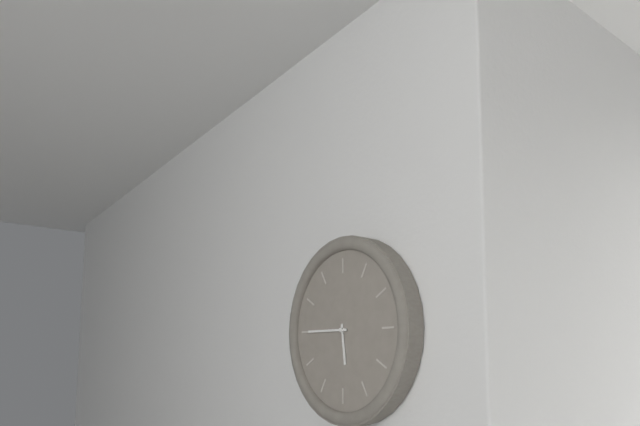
**5:45**
